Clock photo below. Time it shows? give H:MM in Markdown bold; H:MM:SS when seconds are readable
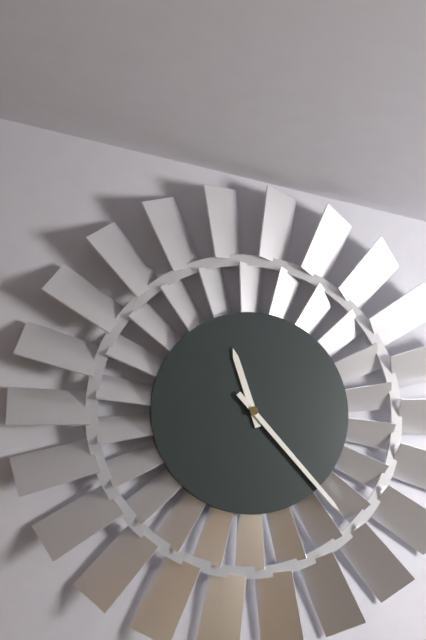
**11:23**
